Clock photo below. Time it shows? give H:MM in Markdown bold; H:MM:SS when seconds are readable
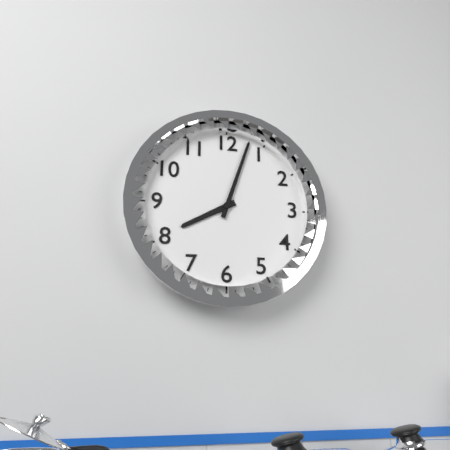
**8:03**
